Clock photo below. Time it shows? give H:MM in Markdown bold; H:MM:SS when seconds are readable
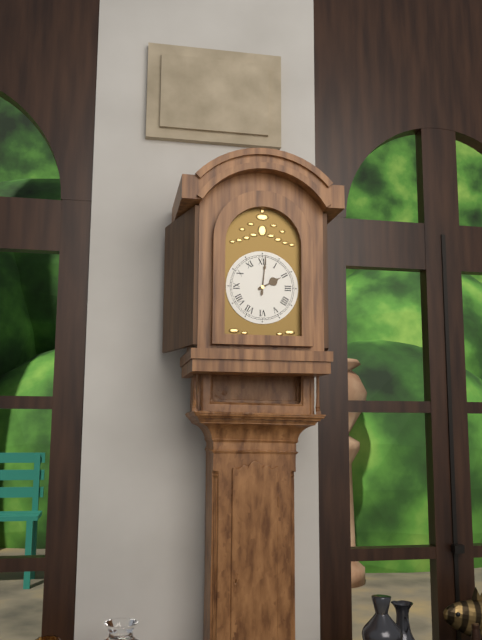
**2:01**
